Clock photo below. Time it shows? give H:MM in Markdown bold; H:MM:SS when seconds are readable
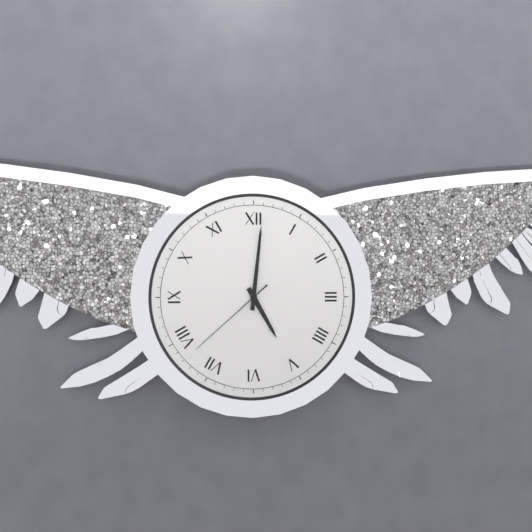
**5:01:38**
